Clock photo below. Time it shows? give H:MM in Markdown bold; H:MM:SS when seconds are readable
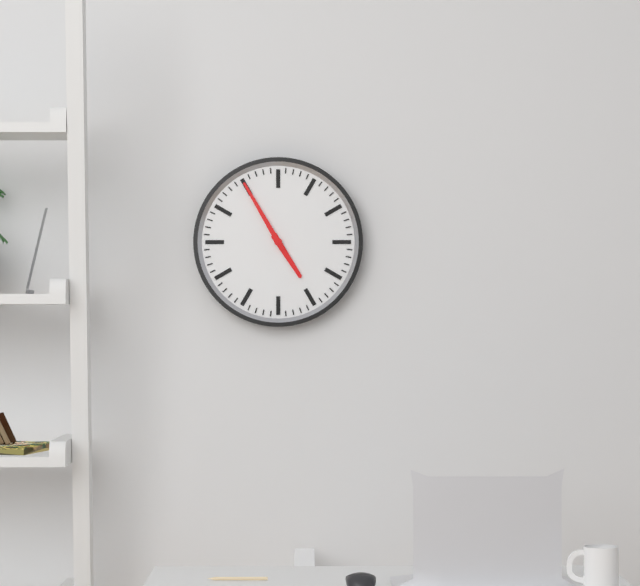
**4:55**
